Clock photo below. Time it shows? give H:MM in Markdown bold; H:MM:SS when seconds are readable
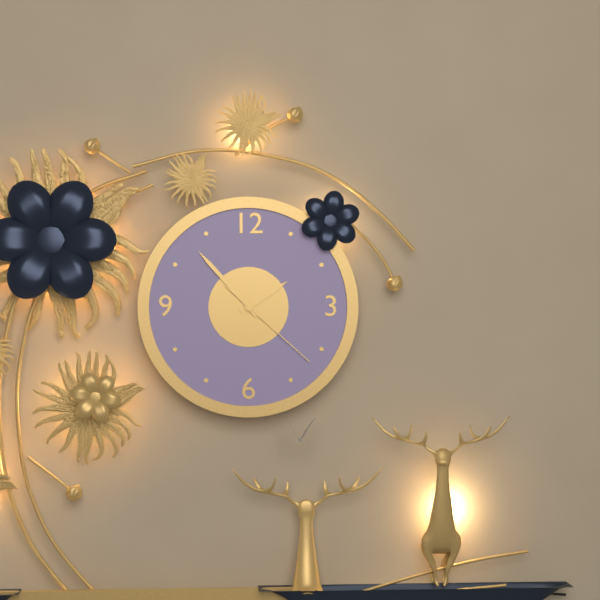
**1:53:22**
